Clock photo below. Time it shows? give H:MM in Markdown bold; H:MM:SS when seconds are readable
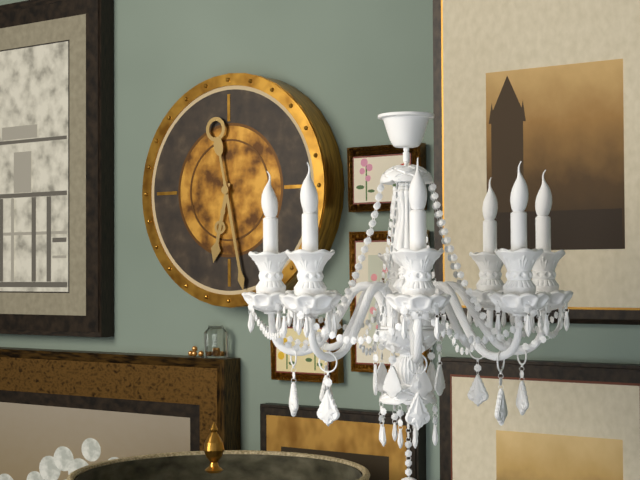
**6:28**
